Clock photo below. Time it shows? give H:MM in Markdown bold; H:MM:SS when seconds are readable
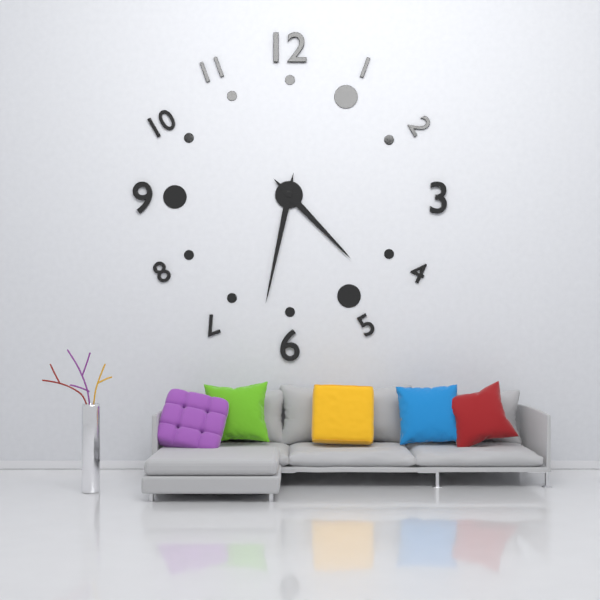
**4:32**
